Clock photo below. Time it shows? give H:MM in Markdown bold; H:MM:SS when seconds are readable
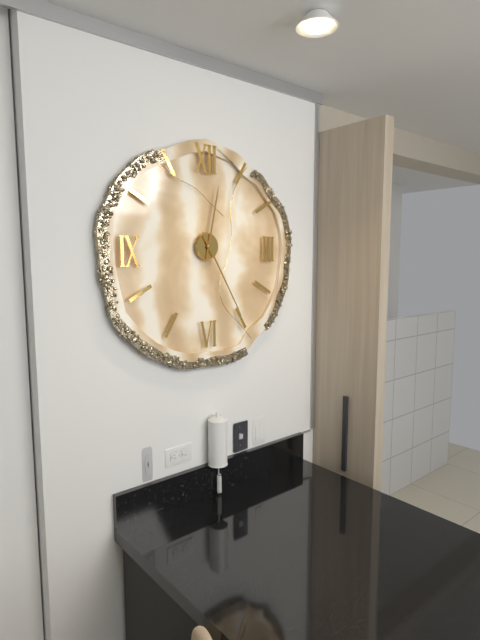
**12:25**
